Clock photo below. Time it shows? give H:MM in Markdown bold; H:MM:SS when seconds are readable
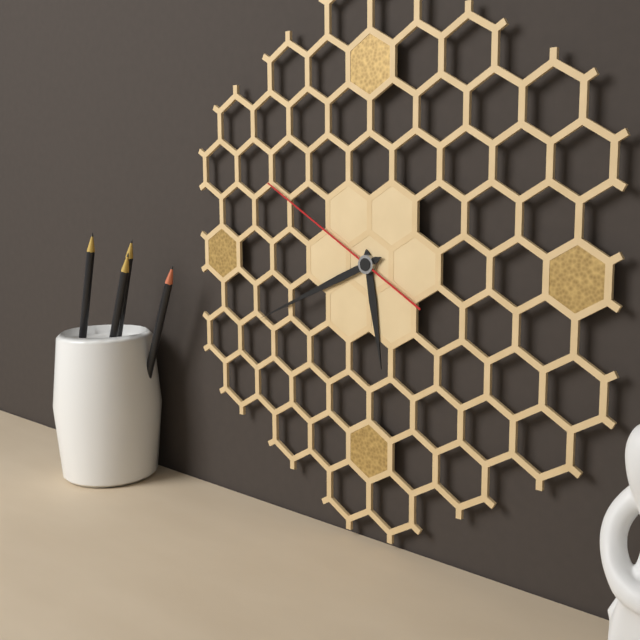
**5:41:50**
